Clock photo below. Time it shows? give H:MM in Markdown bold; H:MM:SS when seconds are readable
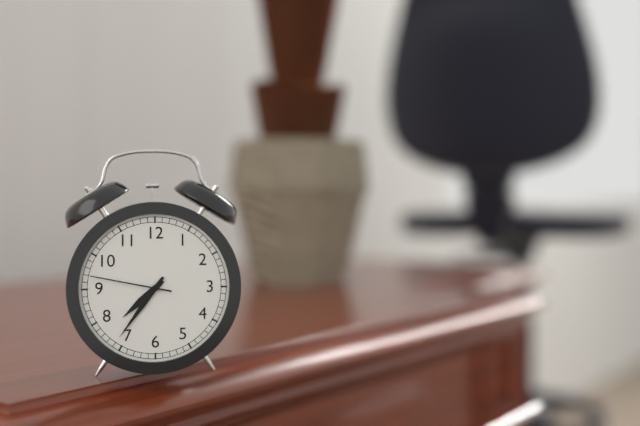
**7:36:47**
